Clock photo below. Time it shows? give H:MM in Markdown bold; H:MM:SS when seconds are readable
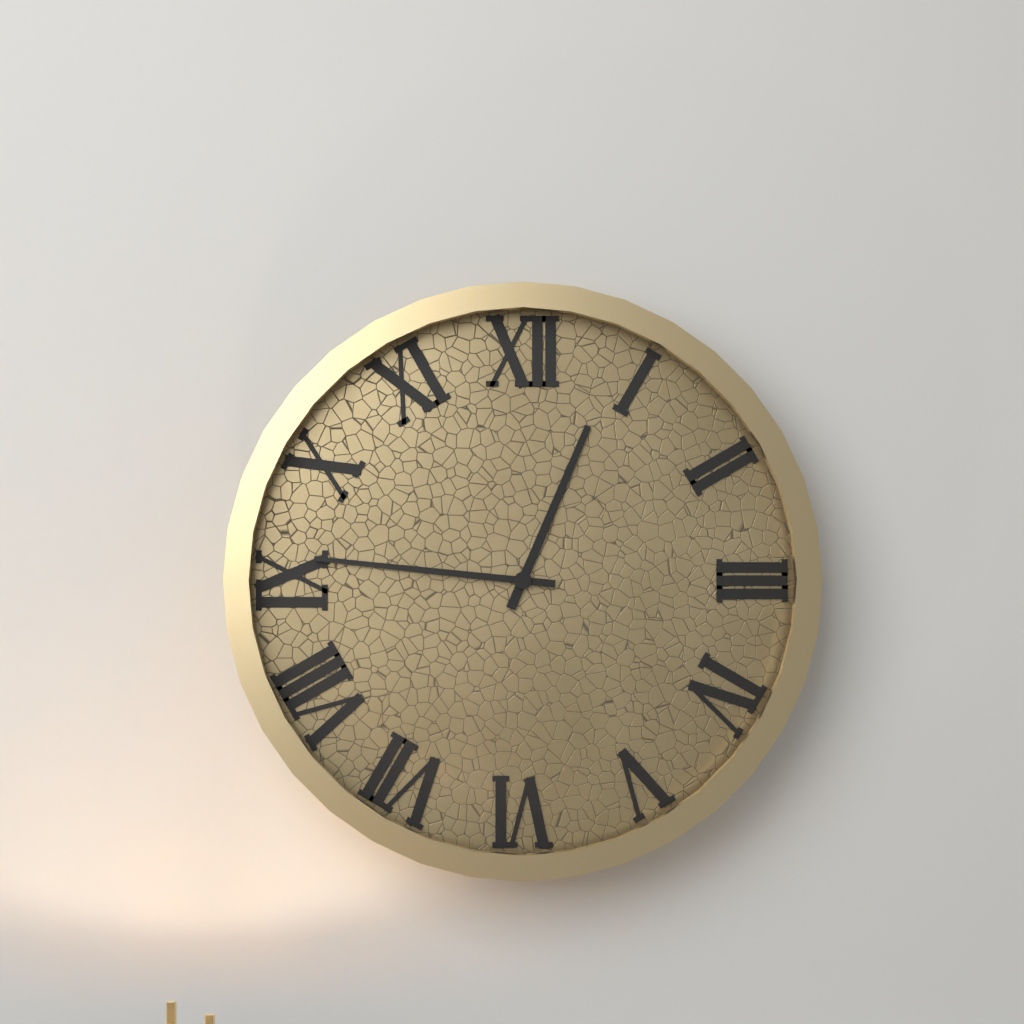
**12:46**
